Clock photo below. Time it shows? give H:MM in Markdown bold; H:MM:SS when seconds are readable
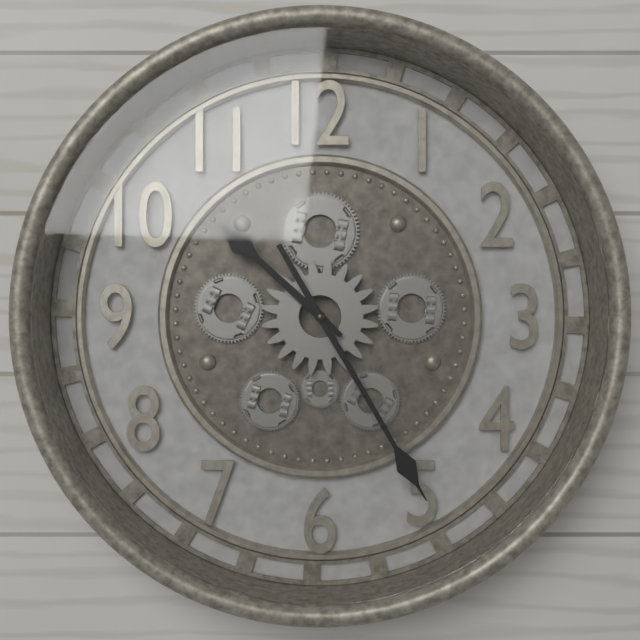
**10:25**
